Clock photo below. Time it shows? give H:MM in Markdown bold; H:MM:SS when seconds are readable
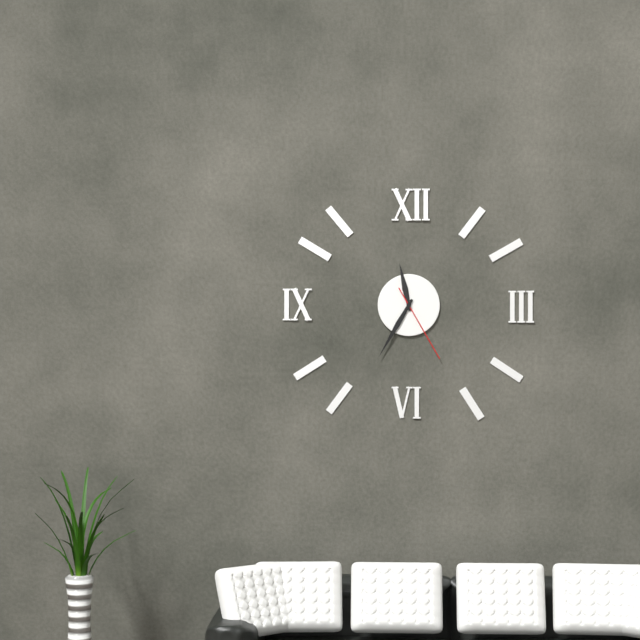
**11:35:25**
